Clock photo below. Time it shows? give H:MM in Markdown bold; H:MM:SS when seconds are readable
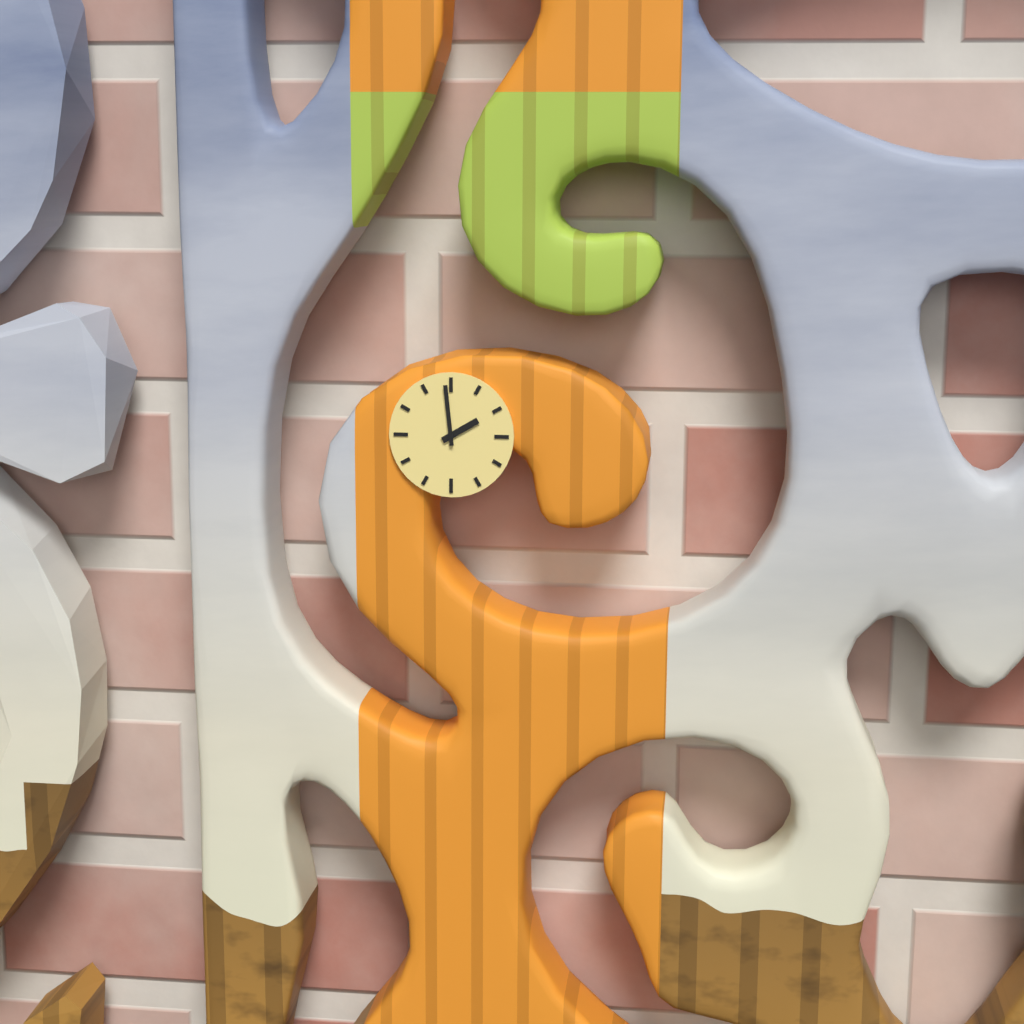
**1:59**
